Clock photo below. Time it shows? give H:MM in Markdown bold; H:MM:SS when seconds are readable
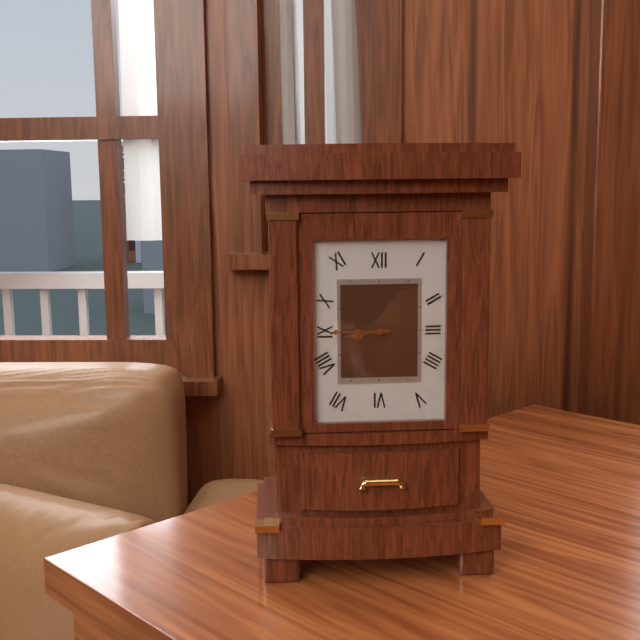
**8:45**
